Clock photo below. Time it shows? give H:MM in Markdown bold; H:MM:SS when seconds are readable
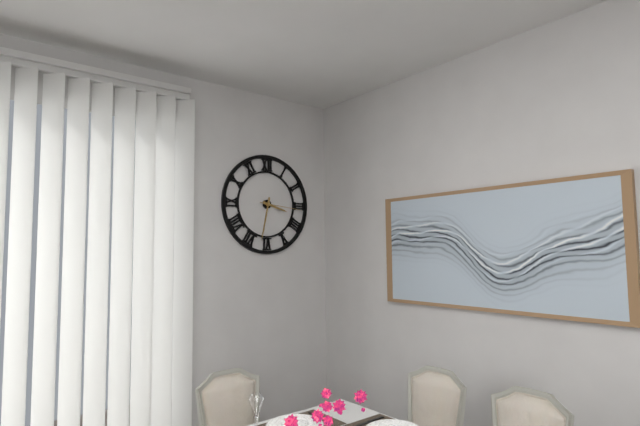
**3:32**
